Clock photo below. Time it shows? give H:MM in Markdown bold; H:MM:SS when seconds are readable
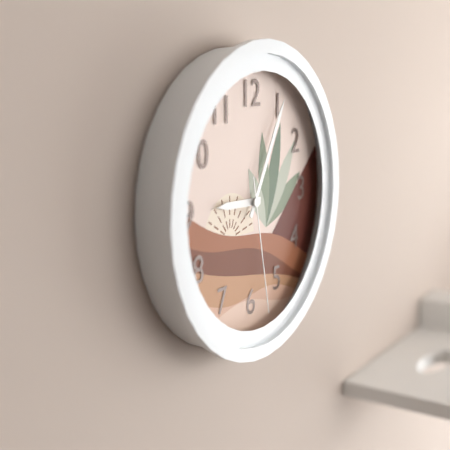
**9:05:28**
